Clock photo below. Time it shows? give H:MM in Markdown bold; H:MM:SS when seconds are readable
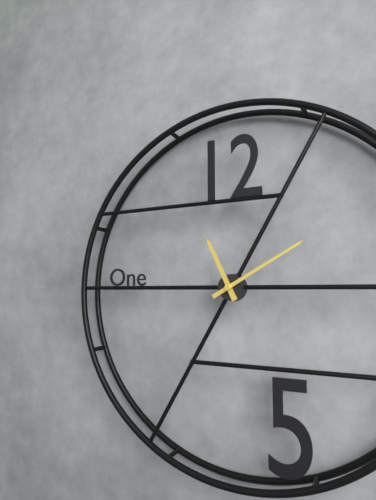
**11:10**
